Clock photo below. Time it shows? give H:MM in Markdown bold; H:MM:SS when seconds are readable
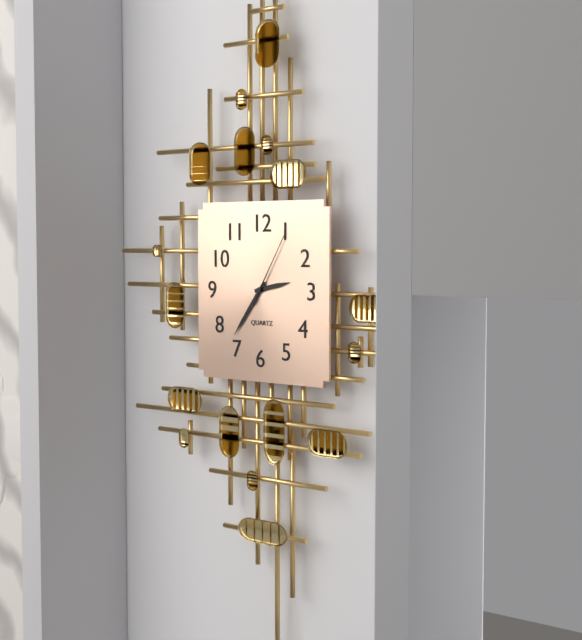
**2:36:05**
